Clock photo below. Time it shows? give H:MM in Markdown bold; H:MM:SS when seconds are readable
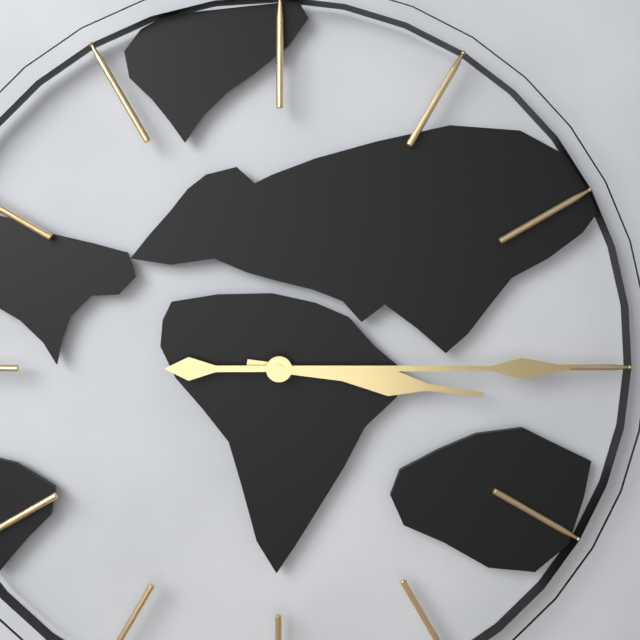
**3:15**
